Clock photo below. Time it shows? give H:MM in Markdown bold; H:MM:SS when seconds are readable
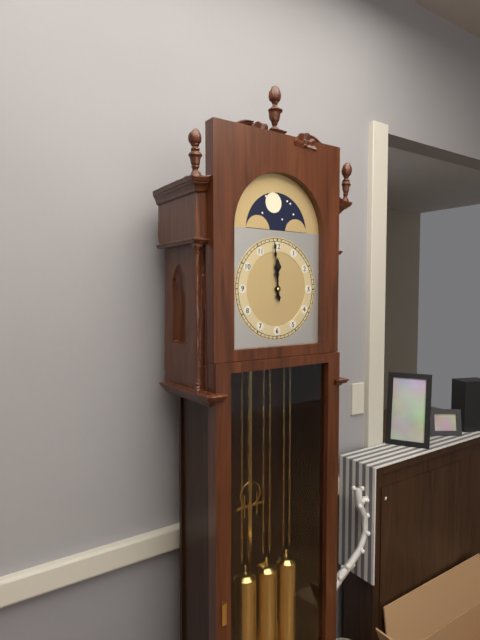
**11:59**
